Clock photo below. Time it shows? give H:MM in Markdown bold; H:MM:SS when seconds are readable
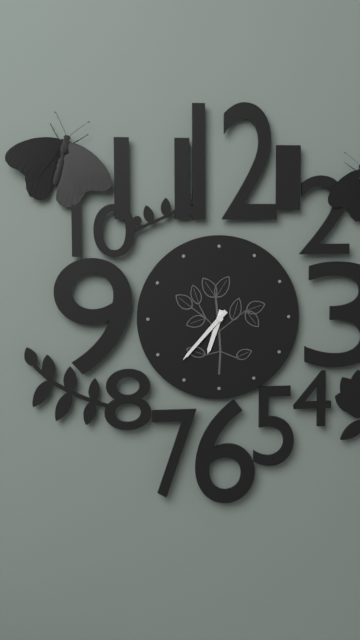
**6:37**
